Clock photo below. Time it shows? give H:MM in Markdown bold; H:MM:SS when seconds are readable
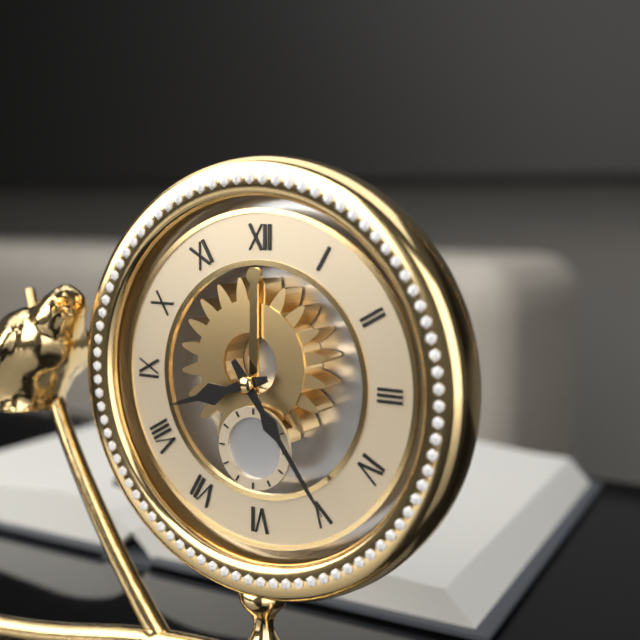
**8:24**
